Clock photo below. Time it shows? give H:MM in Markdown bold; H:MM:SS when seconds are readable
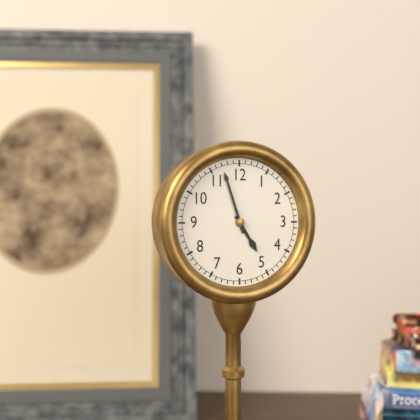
**4:57**
